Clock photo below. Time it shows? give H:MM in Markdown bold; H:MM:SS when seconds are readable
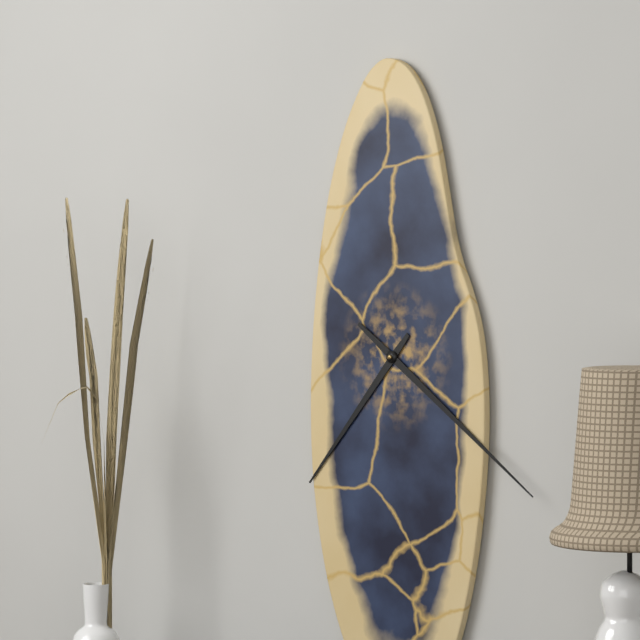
**7:21**
